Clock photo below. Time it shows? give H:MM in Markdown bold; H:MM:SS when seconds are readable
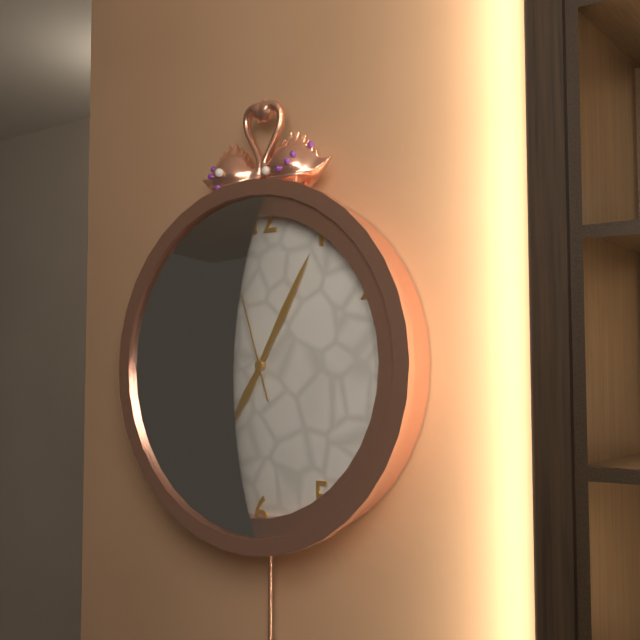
**7:05:57**
